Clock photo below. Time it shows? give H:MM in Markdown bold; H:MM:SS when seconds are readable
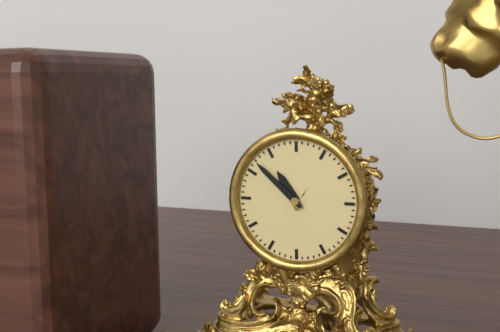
**10:52**
